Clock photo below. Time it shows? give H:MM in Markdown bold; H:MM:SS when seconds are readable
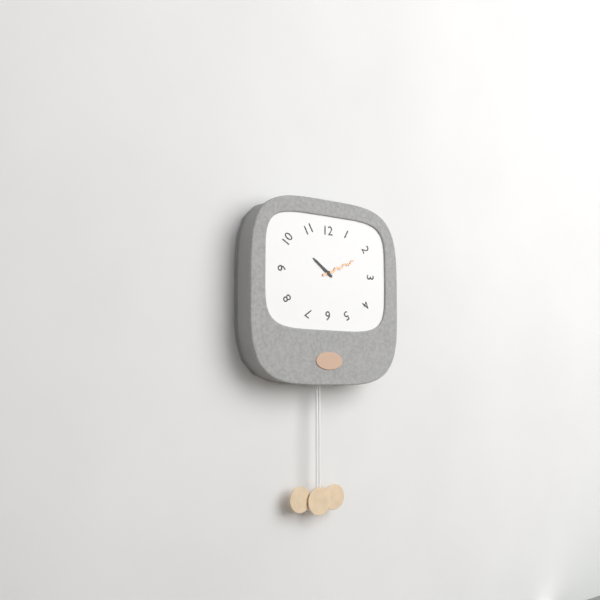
**10:11**
